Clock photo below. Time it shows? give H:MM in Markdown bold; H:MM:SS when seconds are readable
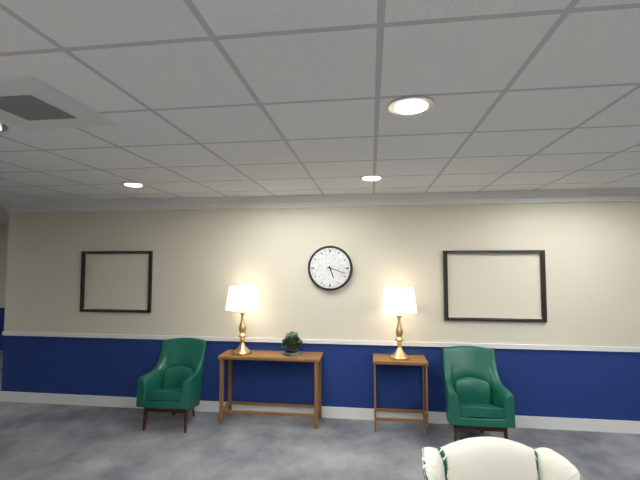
**5:18**
